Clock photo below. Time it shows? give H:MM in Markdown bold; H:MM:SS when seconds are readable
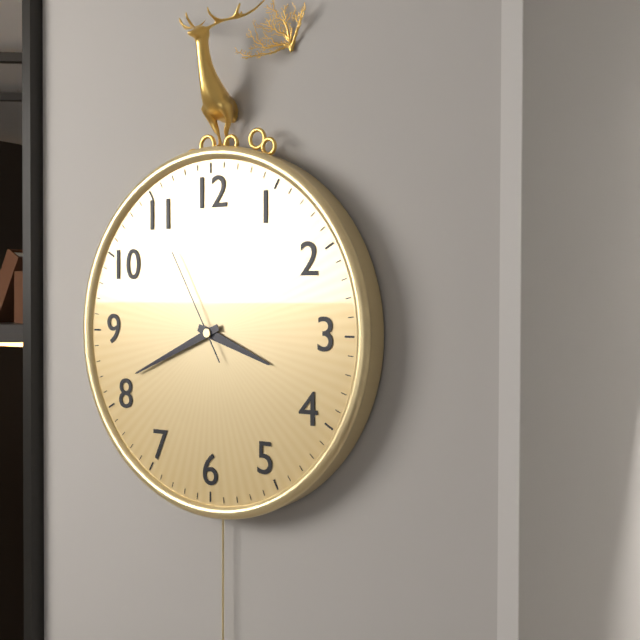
**3:41:55**
